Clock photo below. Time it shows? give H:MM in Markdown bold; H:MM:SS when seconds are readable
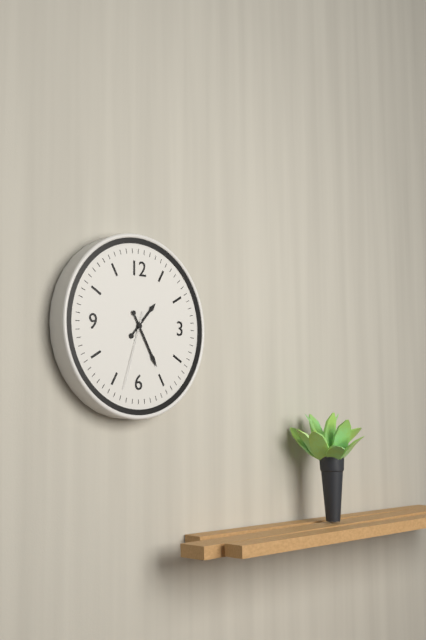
**1:25:33**
